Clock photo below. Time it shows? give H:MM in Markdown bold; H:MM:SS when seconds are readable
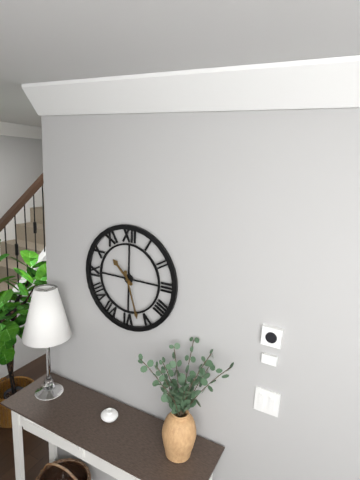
**10:27**
